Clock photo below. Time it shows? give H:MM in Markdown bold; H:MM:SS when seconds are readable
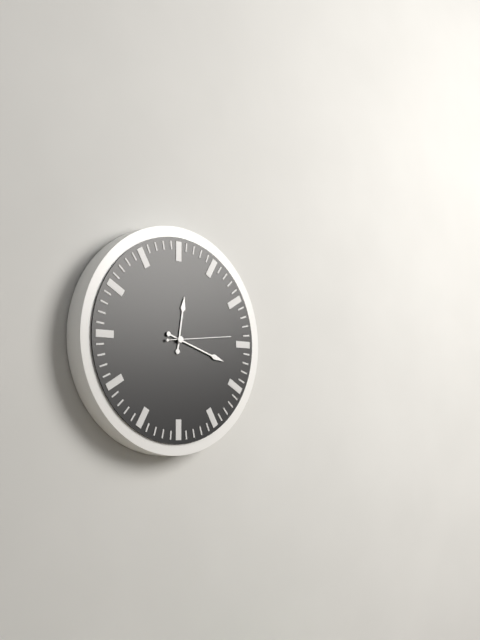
**12:18:14**
